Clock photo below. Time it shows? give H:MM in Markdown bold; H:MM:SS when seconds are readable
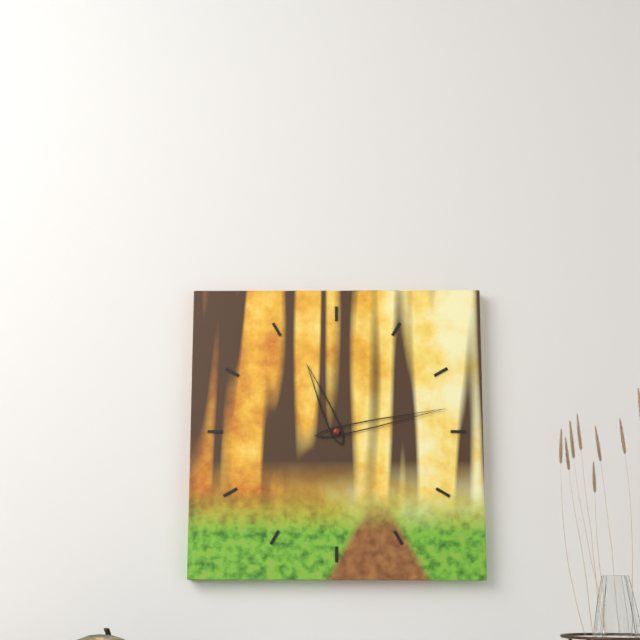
**11:13**
